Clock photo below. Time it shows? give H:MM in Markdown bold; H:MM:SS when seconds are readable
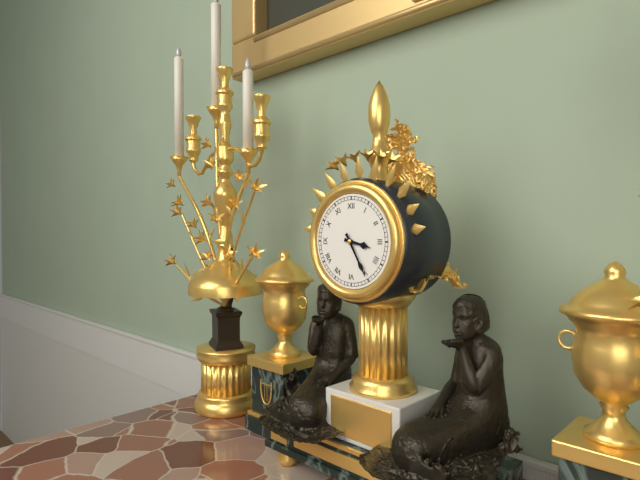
**3:25**
